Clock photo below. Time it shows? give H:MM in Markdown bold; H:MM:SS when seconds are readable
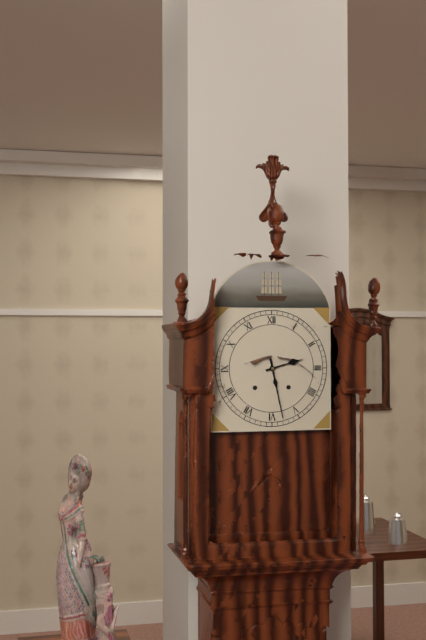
**2:28**
